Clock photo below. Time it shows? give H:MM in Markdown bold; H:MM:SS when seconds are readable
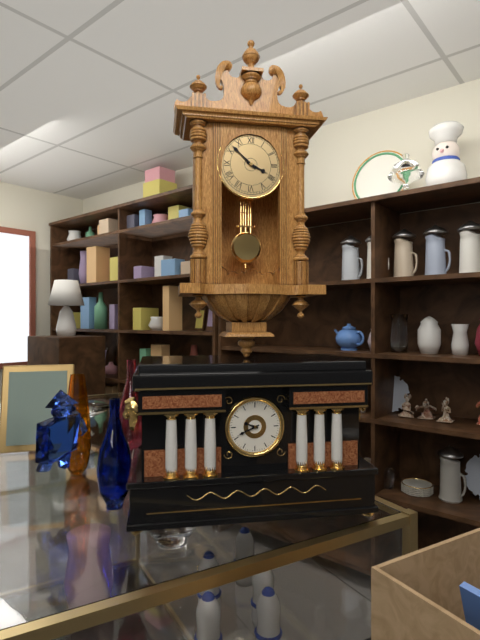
**3:52**
